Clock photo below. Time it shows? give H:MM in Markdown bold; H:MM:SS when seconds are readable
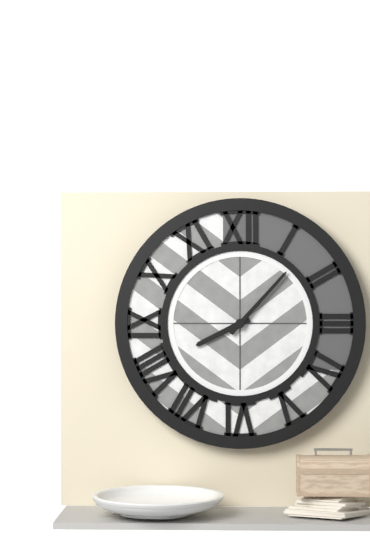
**8:07**
